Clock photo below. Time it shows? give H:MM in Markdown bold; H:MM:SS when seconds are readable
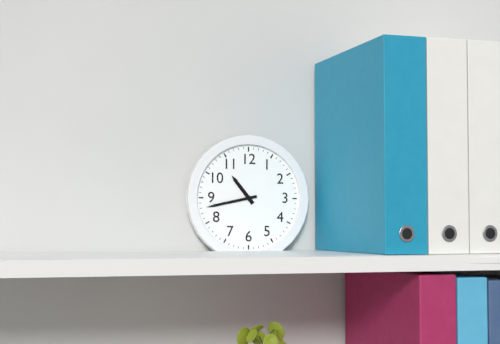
**10:43**
